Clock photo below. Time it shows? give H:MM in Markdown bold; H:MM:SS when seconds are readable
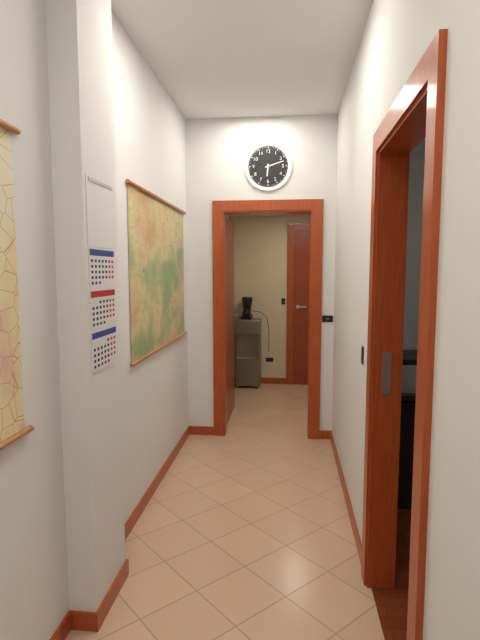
**6:12**
